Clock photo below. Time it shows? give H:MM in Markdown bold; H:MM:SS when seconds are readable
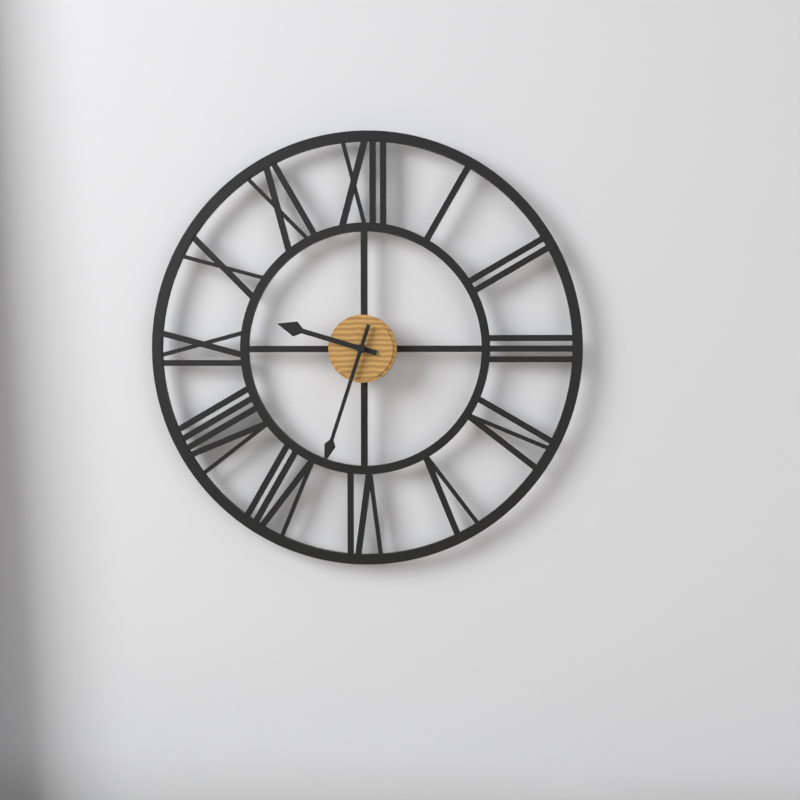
**9:33**
